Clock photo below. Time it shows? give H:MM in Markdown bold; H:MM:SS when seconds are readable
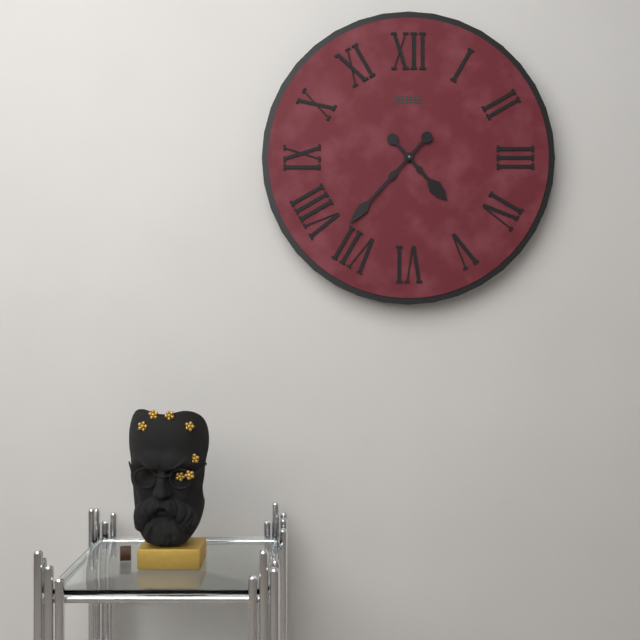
**4:37**
